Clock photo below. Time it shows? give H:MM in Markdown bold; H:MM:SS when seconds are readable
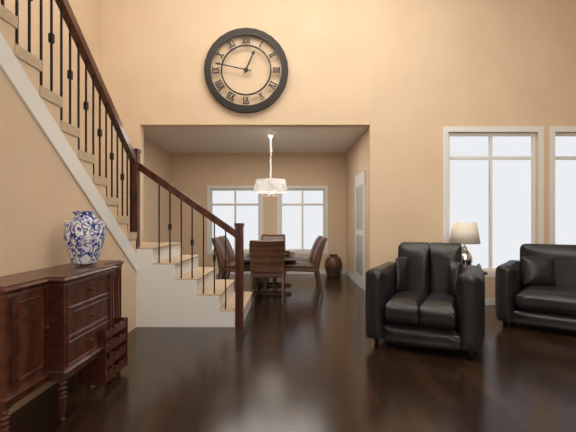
**12:47**
